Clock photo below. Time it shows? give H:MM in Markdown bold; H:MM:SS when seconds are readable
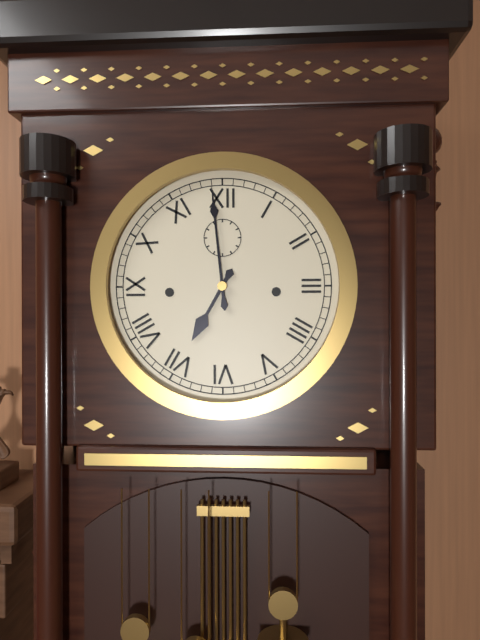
**6:59**
